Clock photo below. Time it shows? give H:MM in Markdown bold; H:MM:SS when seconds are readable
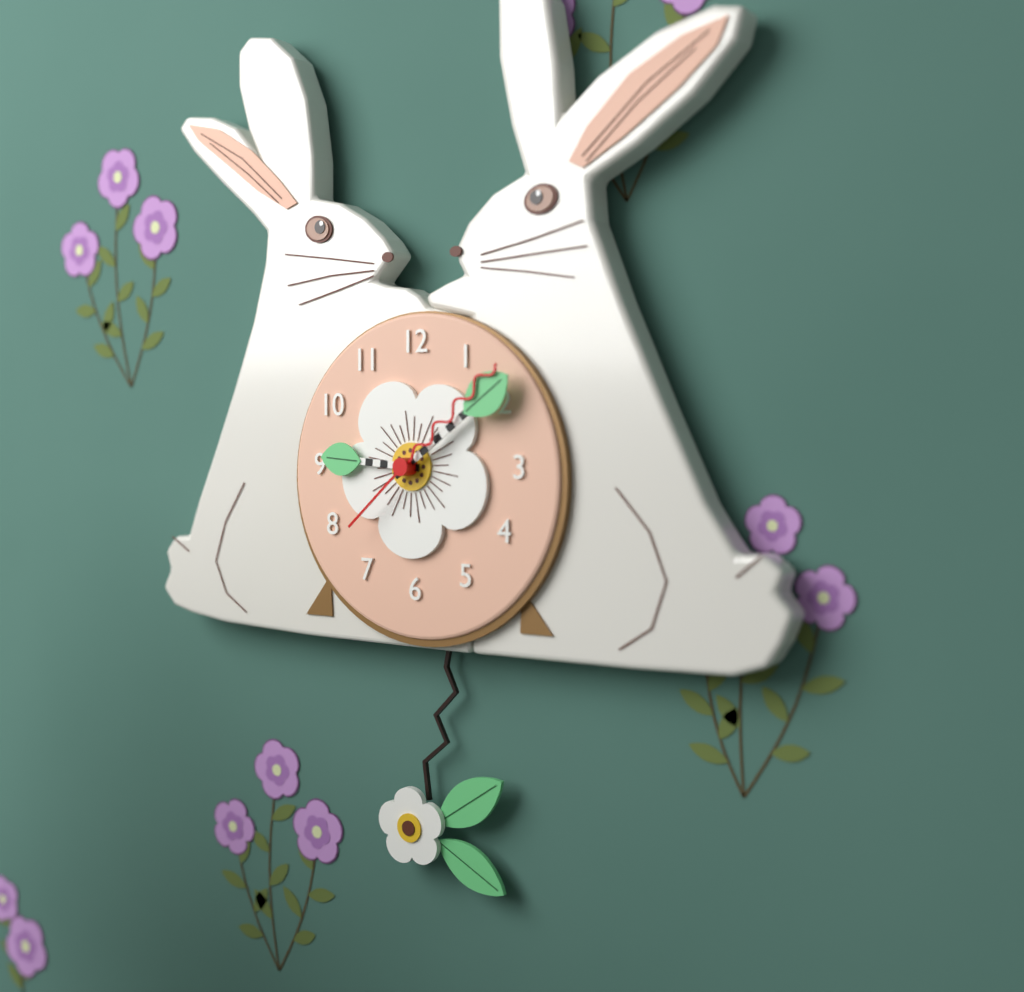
**9:09:08**
